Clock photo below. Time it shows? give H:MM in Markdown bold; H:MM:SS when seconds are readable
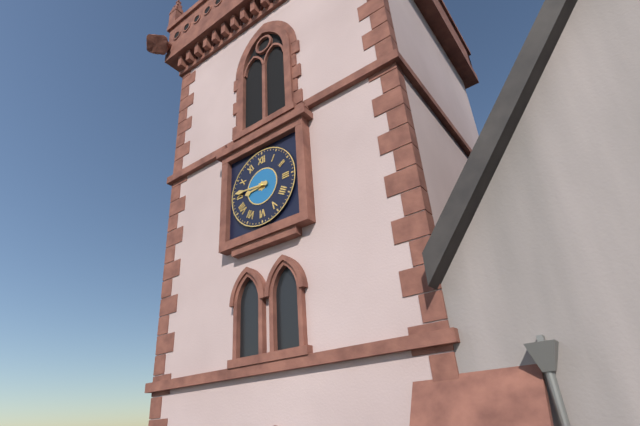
**8:46**
